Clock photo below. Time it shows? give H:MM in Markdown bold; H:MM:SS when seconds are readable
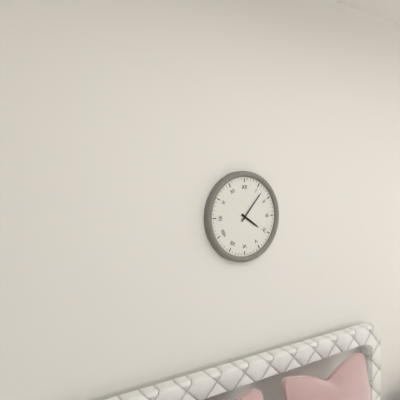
**4:07**
